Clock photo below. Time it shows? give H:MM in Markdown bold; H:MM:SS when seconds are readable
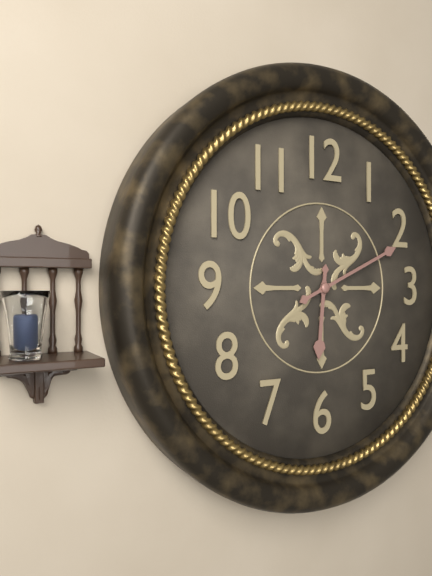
**6:11**
